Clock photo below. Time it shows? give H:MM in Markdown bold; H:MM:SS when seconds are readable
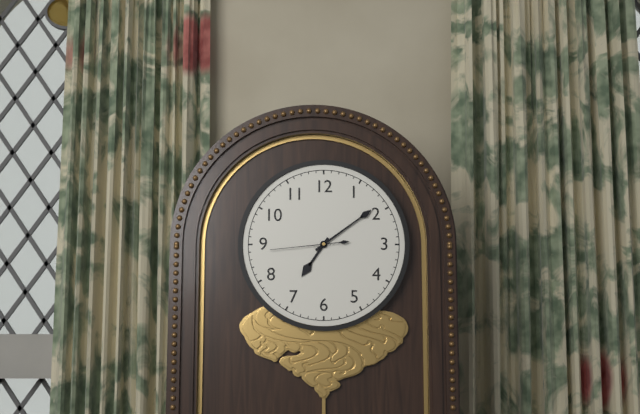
**7:09:44**
